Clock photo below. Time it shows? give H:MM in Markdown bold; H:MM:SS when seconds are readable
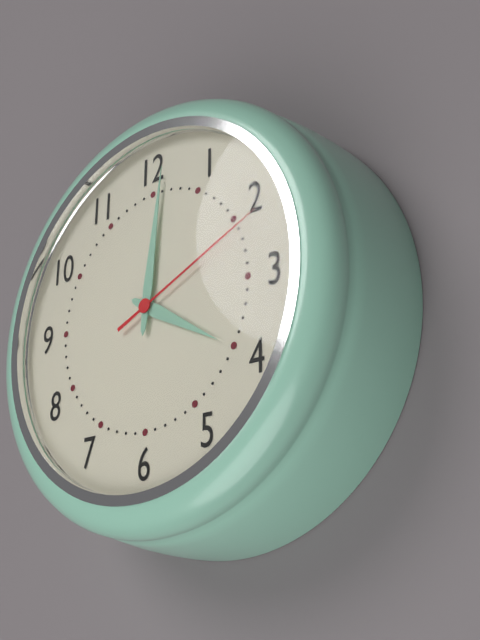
**4:01:11**
